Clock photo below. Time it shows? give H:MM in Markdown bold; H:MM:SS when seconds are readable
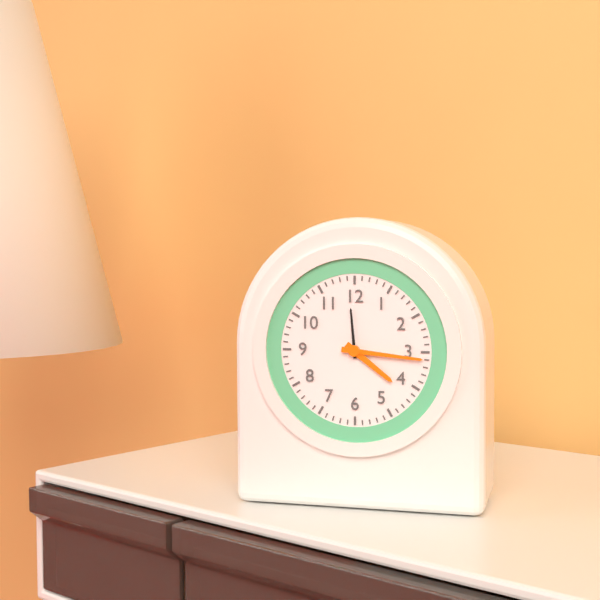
**4:16**
